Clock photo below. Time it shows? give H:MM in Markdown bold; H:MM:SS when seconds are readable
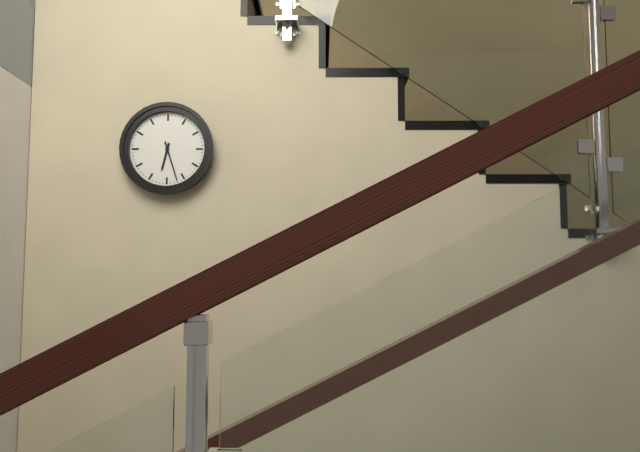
**6:27**
